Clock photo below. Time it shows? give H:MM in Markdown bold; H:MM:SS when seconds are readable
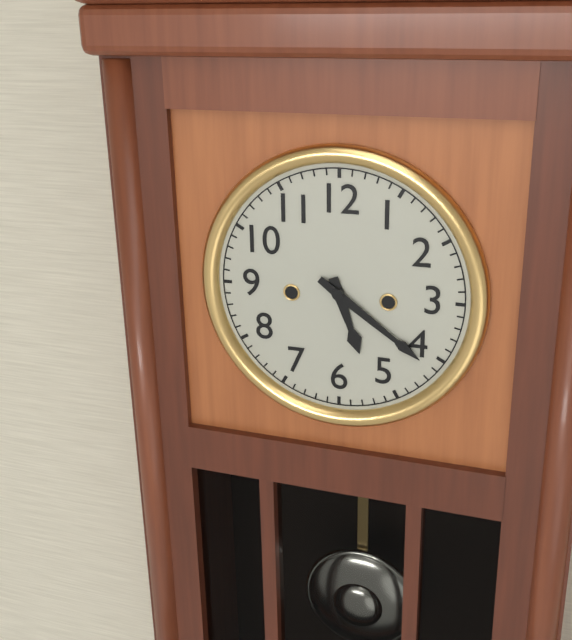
**5:21**
